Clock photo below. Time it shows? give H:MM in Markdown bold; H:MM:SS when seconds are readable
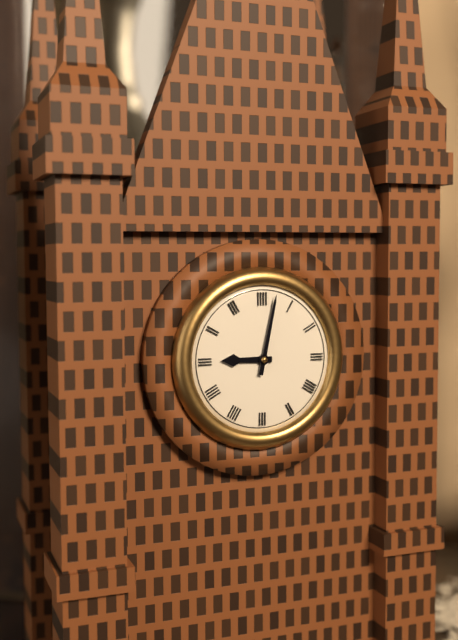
**9:02**
